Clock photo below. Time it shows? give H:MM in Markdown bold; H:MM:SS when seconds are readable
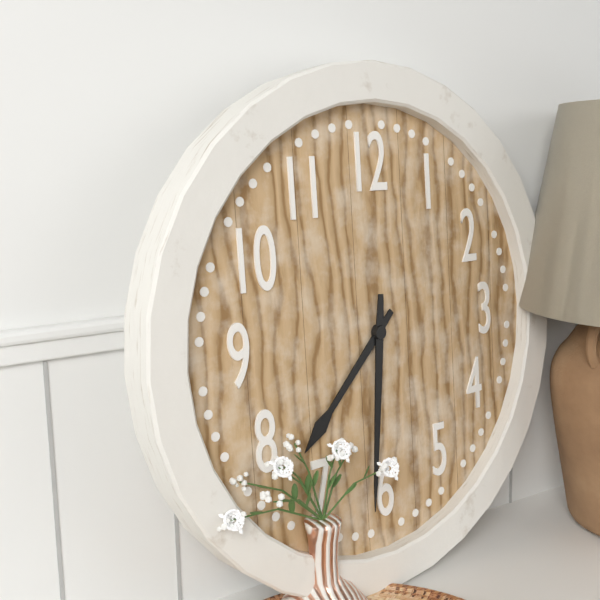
**7:31**
